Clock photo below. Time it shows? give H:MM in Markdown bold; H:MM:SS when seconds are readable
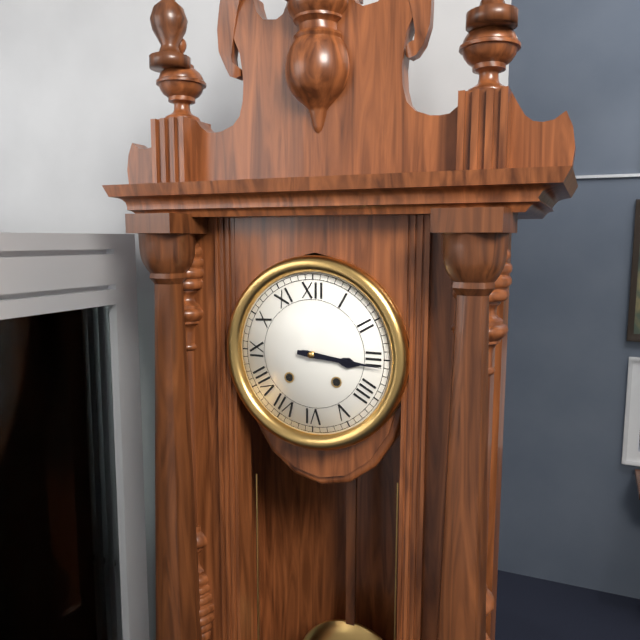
**3:16**
